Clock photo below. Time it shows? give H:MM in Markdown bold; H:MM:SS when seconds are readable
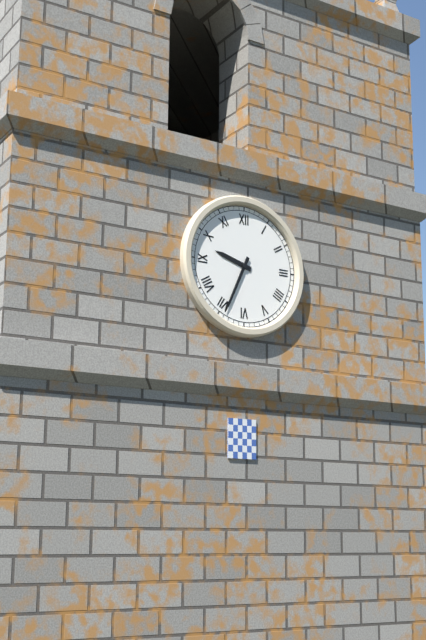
**9:34**
